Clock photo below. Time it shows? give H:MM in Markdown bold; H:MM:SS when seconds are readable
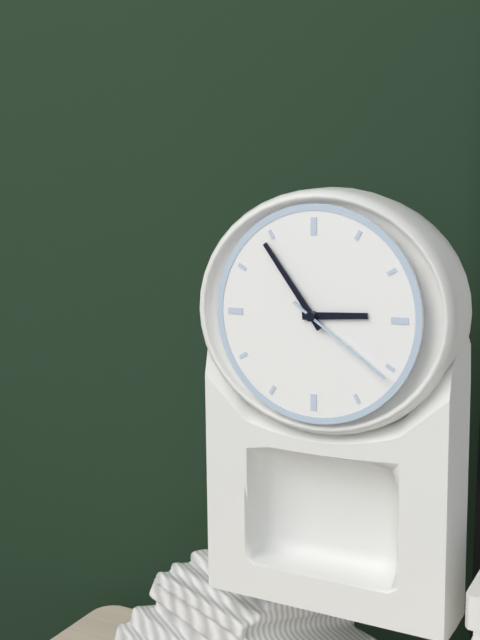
**2:54:21**
